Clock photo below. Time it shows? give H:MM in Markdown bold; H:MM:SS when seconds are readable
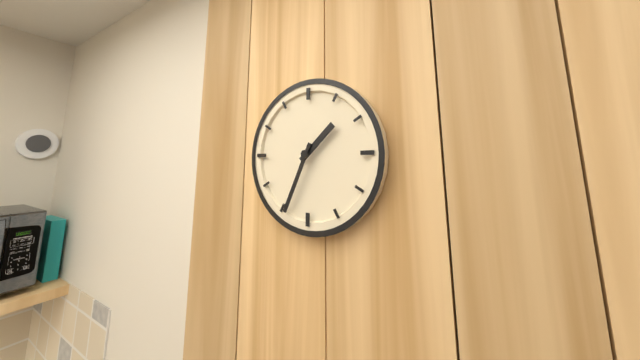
**1:34**
